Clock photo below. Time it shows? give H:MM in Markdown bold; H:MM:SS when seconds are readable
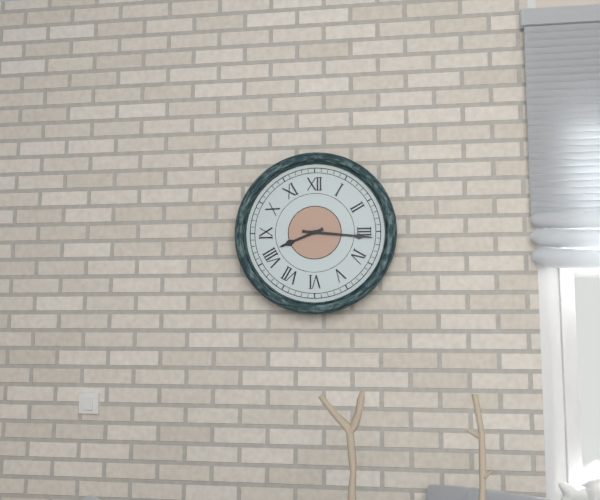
**8:16**
